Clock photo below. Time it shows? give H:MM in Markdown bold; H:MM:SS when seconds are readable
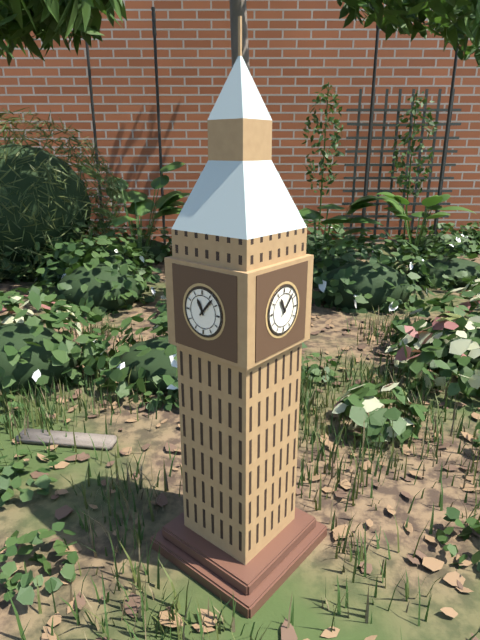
**11:07**
